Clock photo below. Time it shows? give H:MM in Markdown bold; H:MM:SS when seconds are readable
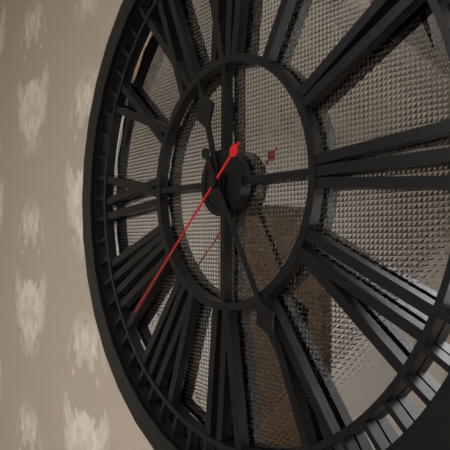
**11:25:38**
